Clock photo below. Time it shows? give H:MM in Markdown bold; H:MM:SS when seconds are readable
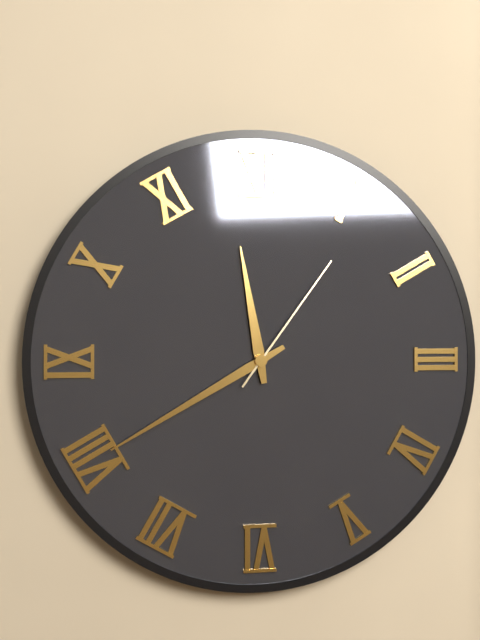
**11:40:06**
